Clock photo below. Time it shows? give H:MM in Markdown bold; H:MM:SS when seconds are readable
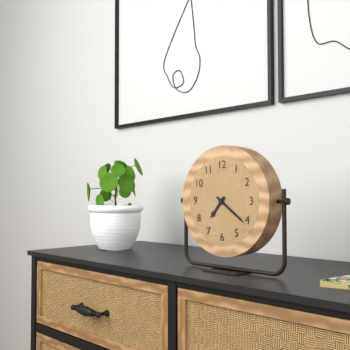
**7:21**
